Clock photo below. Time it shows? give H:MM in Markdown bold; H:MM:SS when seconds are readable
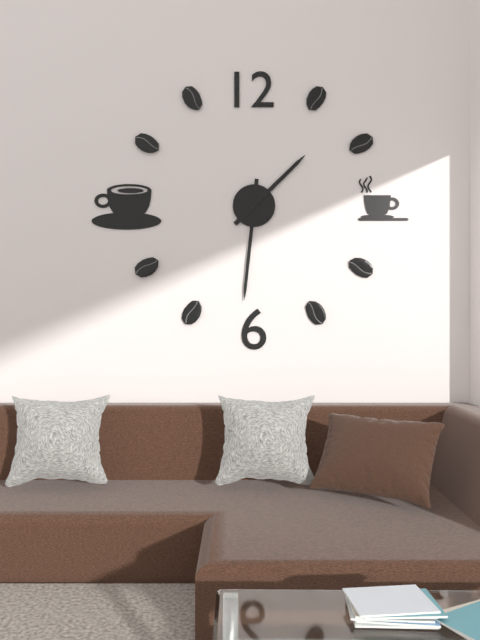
**1:31**
